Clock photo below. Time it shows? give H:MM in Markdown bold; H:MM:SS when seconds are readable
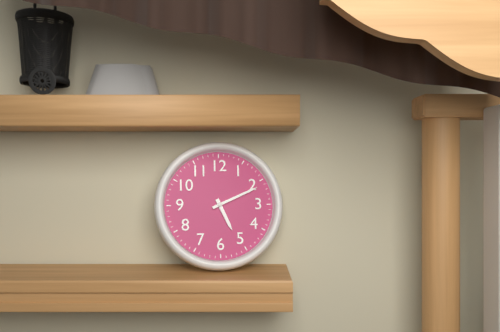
**5:11**
